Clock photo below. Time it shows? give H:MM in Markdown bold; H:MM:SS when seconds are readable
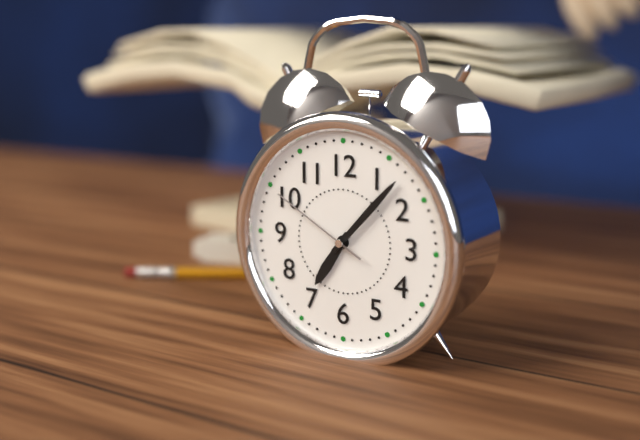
**7:07:50**
